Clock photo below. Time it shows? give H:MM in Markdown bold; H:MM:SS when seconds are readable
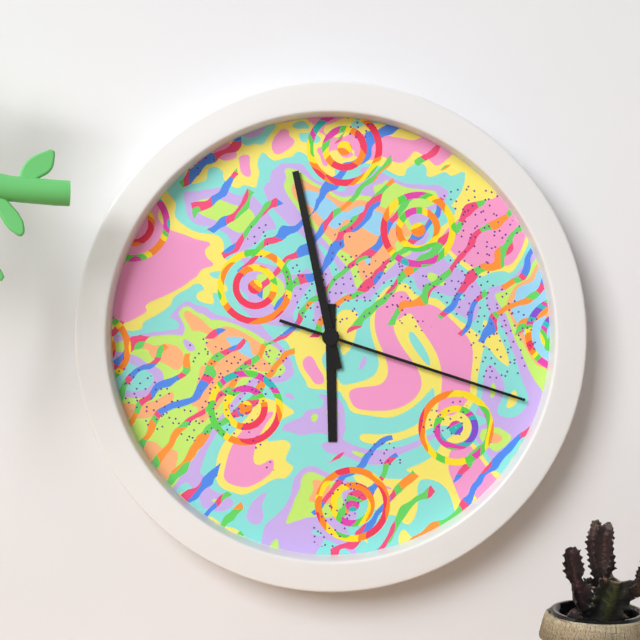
**5:58:18**
